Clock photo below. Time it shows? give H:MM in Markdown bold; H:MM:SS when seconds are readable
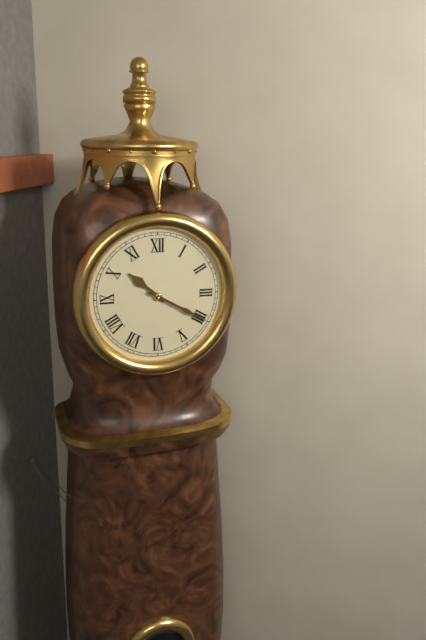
**10:20**
